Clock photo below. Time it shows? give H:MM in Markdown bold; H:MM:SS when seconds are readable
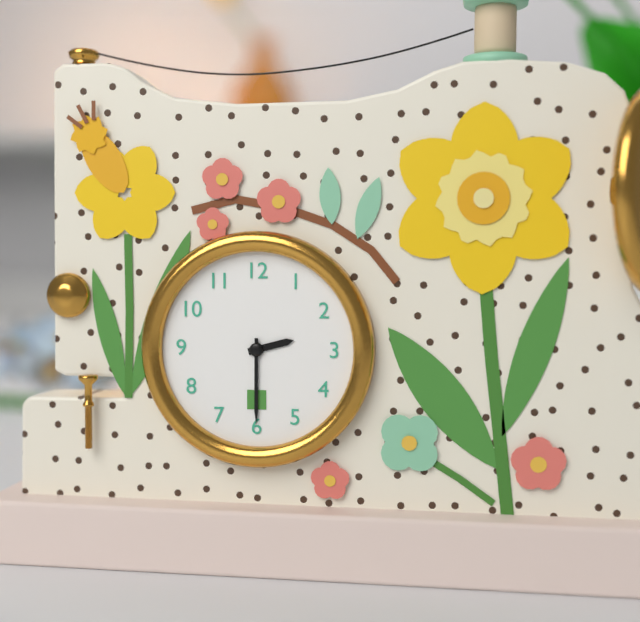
**2:30**
